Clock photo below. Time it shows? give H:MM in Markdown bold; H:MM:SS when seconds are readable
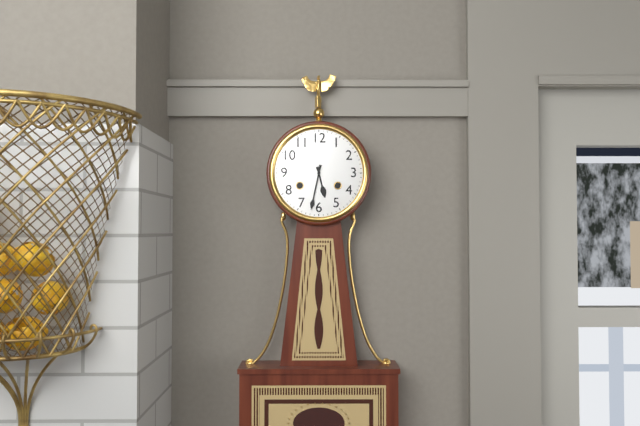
**5:32**
